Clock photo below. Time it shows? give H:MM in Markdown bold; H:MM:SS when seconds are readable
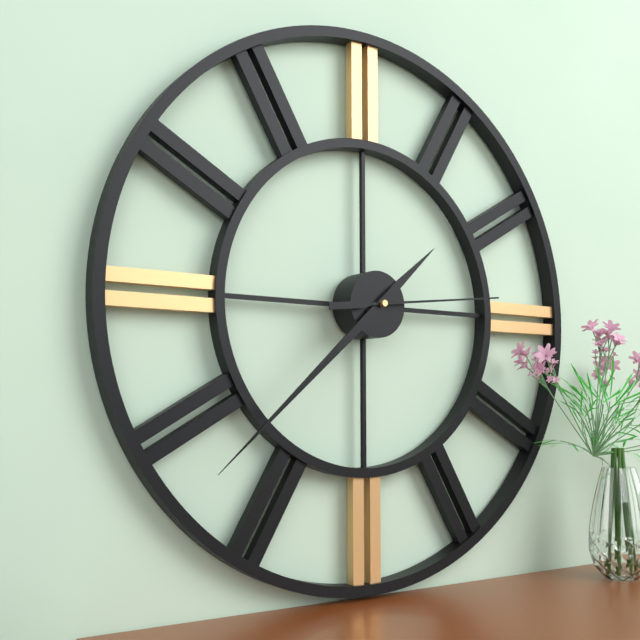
**1:38:14**
